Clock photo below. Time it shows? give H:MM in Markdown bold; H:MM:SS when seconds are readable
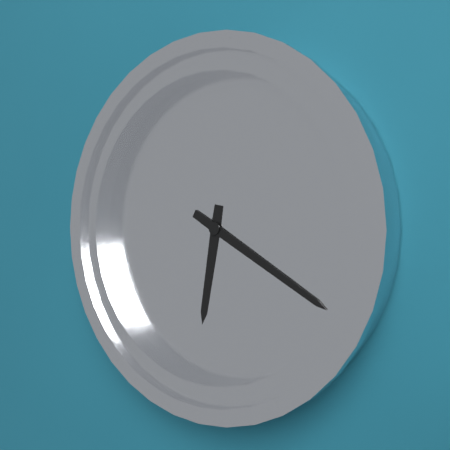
**6:20**
